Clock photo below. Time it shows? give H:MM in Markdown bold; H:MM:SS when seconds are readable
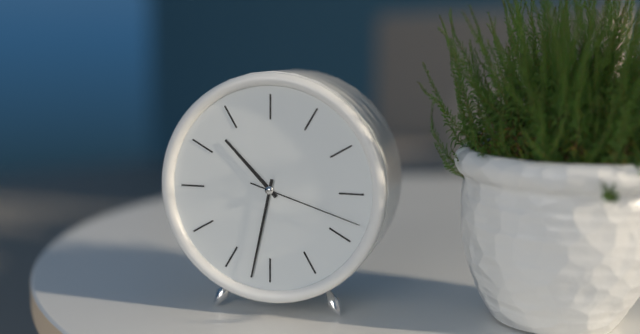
**10:32:18**
